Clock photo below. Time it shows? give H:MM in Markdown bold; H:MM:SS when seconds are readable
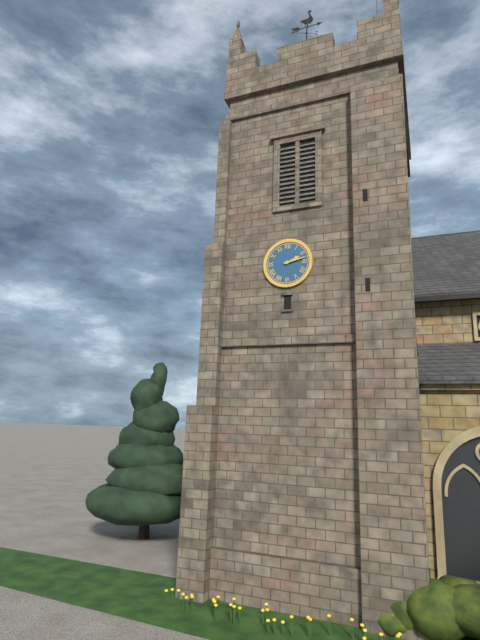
**2:13**
